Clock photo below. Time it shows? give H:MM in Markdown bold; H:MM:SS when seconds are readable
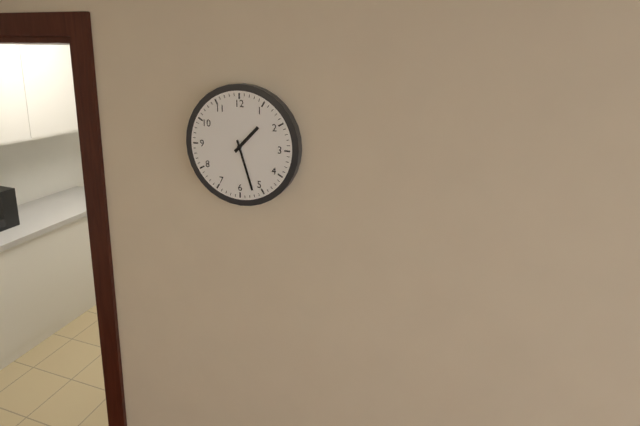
**1:27**
